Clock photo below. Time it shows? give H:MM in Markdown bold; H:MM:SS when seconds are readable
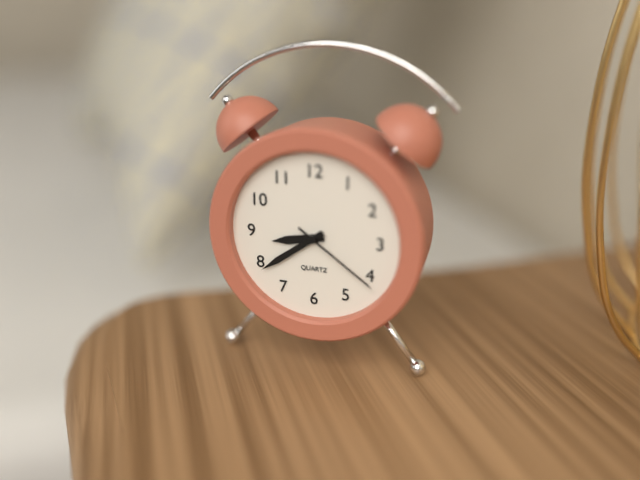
**8:39:21**
